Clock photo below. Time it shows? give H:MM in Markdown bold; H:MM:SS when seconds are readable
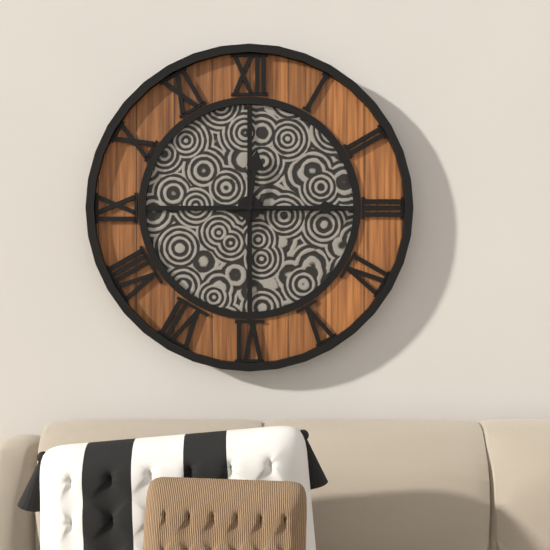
**12:15**
